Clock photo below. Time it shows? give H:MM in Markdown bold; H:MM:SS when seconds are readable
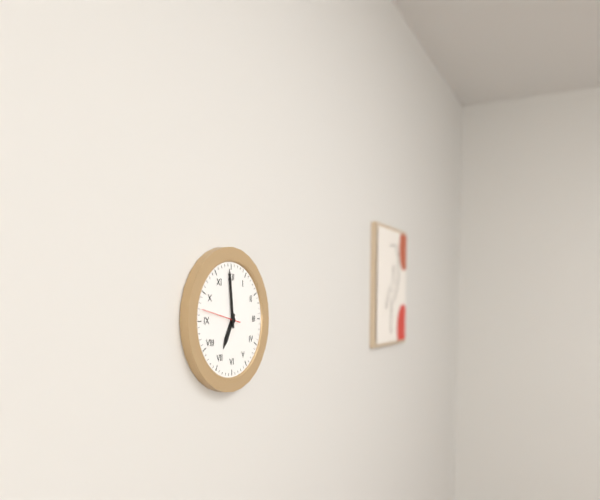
**6:59**
